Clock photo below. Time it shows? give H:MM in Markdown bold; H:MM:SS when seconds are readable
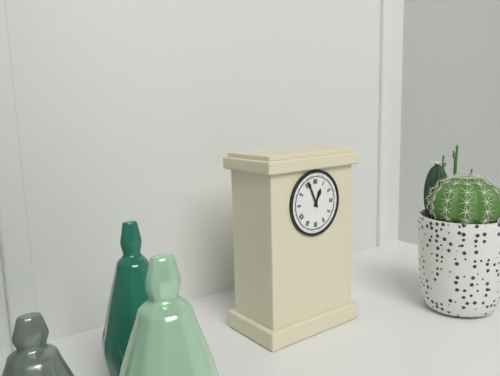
**12:56**
